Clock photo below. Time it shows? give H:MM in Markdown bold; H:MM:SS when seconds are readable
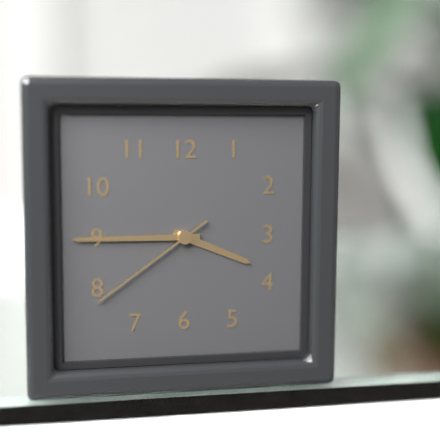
**3:45:39**
